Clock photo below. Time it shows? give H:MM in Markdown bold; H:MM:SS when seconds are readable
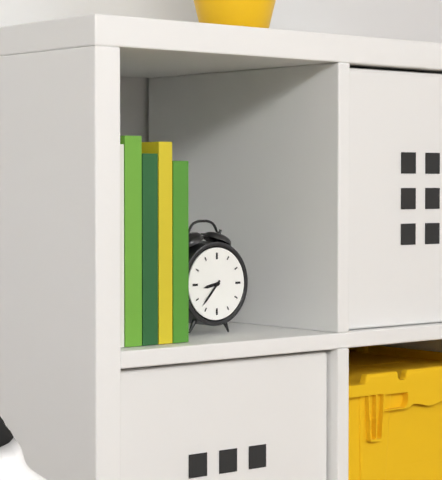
**8:37**
